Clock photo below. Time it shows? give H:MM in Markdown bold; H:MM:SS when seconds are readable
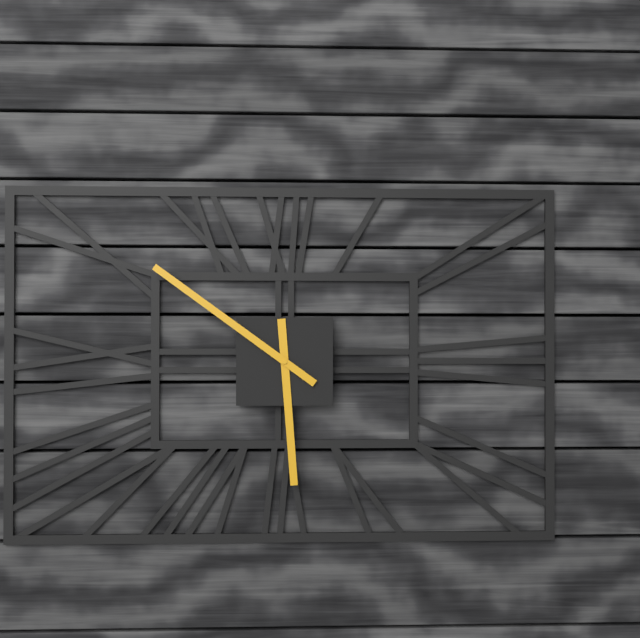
**5:51**
